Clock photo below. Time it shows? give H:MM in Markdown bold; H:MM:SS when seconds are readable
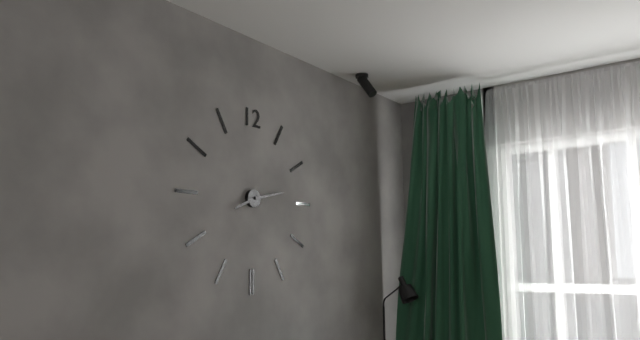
**8:13**
